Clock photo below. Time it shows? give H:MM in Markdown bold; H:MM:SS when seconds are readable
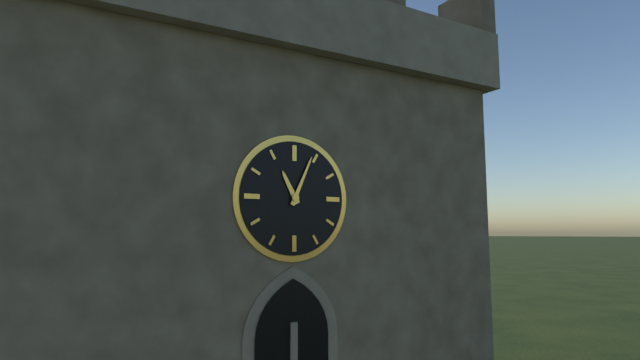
**11:04**
